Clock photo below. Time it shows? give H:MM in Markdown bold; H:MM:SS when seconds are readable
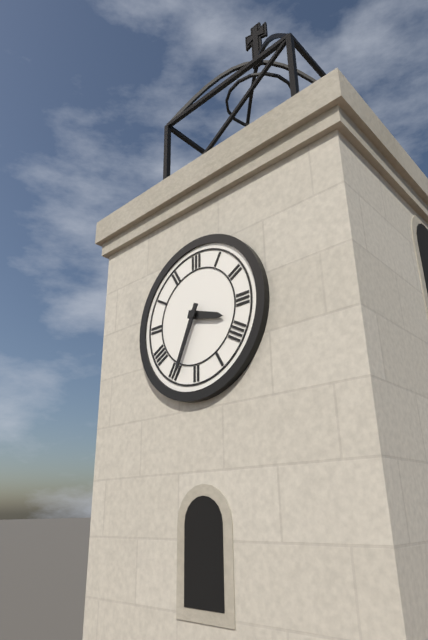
**3:34**
